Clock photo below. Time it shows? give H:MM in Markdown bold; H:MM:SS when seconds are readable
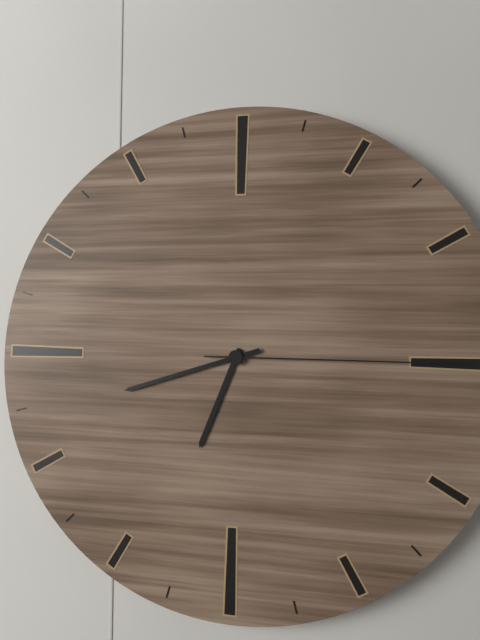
**6:42:15**
